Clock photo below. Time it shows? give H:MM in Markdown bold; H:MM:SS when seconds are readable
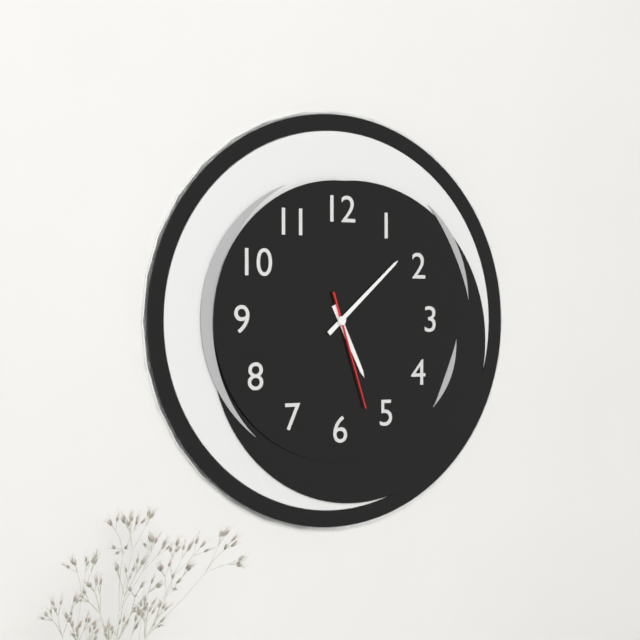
**5:08:27**
